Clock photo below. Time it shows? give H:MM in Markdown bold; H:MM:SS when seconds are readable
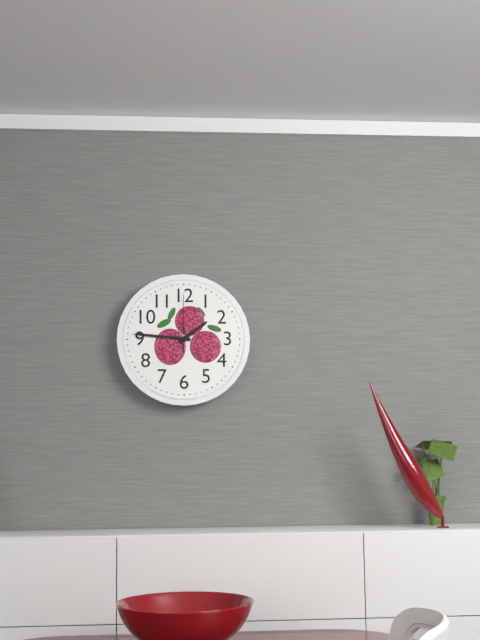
**1:46:00**
